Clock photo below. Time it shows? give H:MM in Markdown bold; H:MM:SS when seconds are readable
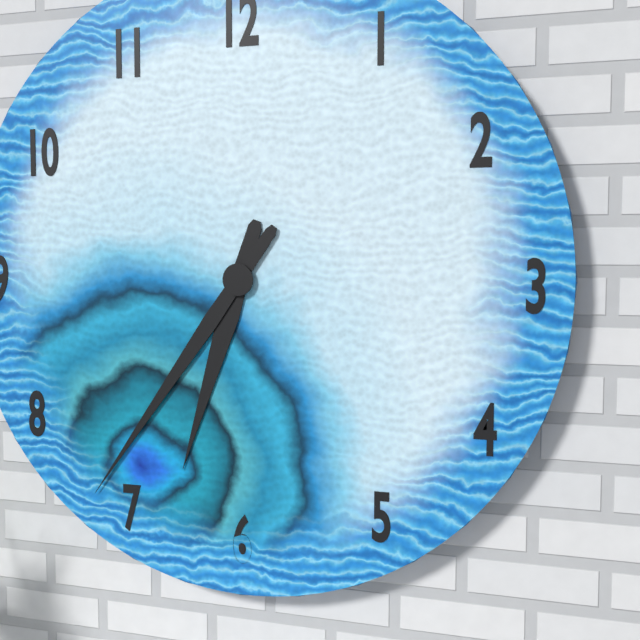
**6:36**
